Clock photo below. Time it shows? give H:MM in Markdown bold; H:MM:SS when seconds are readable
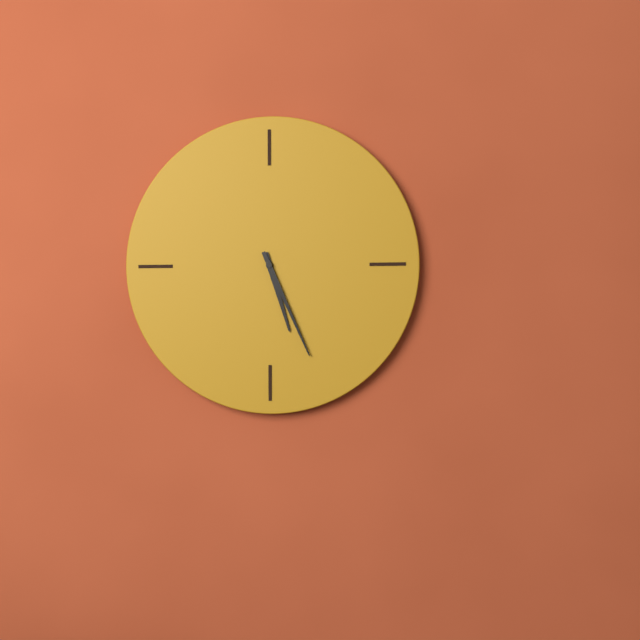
**5:26**
